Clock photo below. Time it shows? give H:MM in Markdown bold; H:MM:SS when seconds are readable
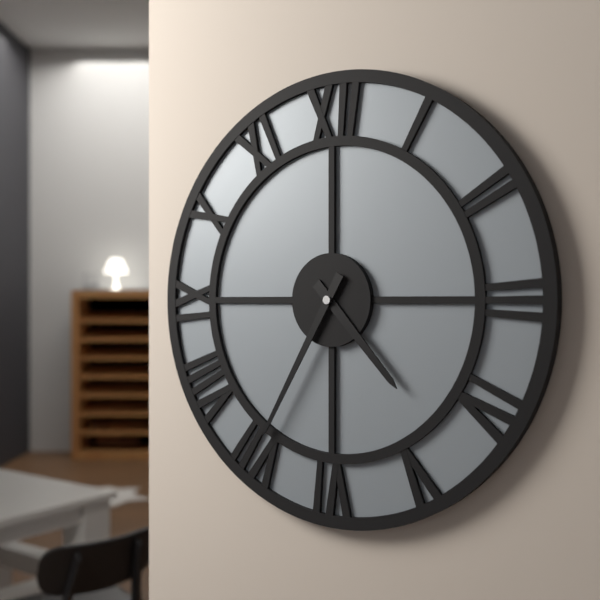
**4:35**
